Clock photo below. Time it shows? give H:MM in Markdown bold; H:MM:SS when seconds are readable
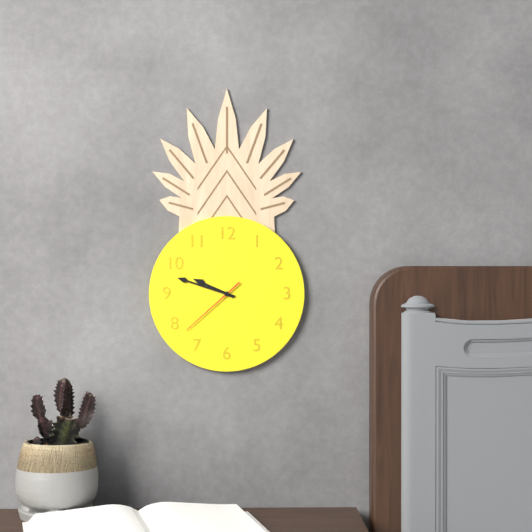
**9:48:38**
